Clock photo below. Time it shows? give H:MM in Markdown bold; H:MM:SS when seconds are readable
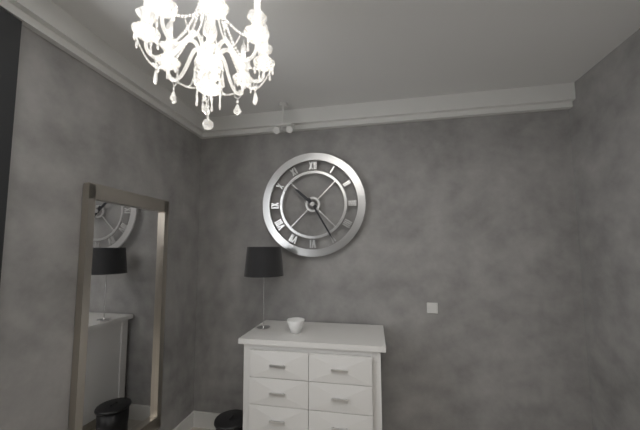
**10:25**
